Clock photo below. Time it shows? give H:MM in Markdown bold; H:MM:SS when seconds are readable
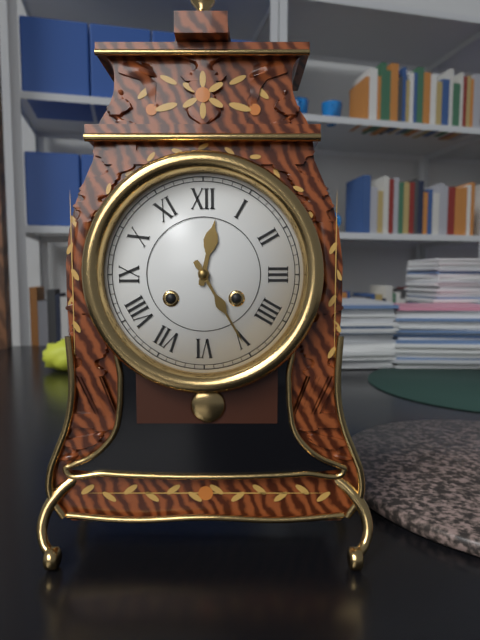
**12:25**
